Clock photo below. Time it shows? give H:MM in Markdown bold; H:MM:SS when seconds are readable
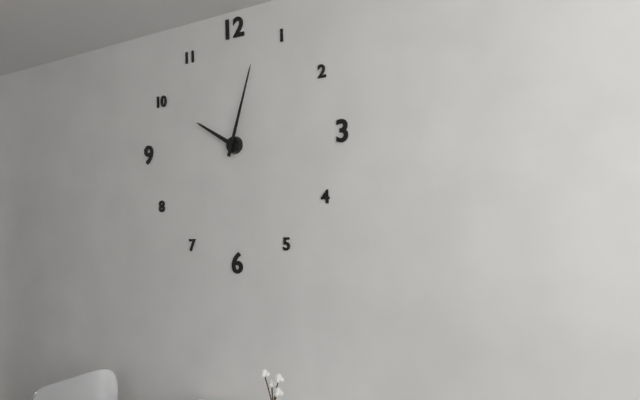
**10:03**
